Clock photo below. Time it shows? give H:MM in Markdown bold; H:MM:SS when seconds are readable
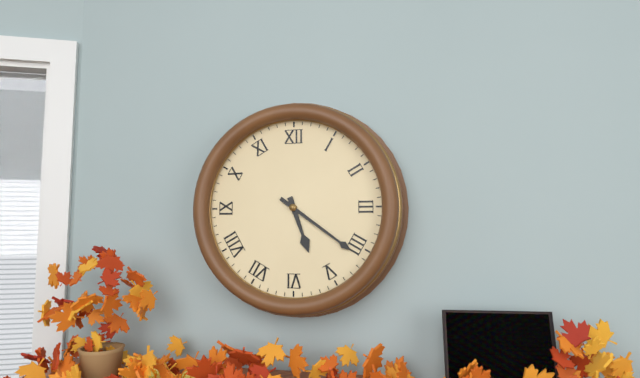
**5:21**
